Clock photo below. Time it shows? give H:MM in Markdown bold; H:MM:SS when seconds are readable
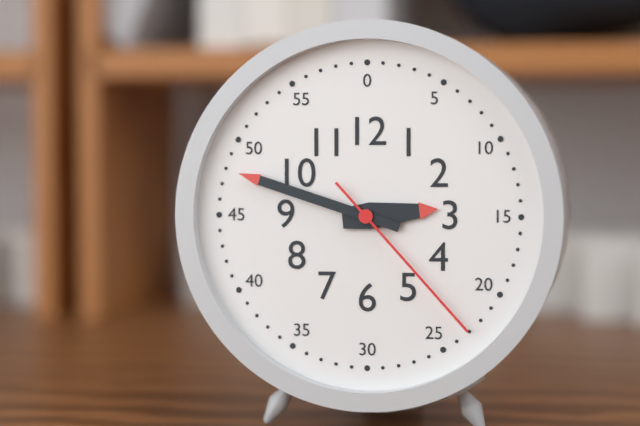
**2:48:23**
